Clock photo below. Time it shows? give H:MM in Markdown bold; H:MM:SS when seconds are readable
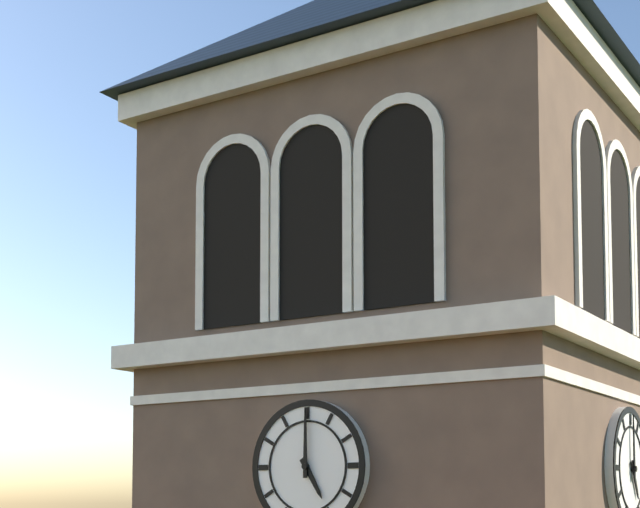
**5:00**
